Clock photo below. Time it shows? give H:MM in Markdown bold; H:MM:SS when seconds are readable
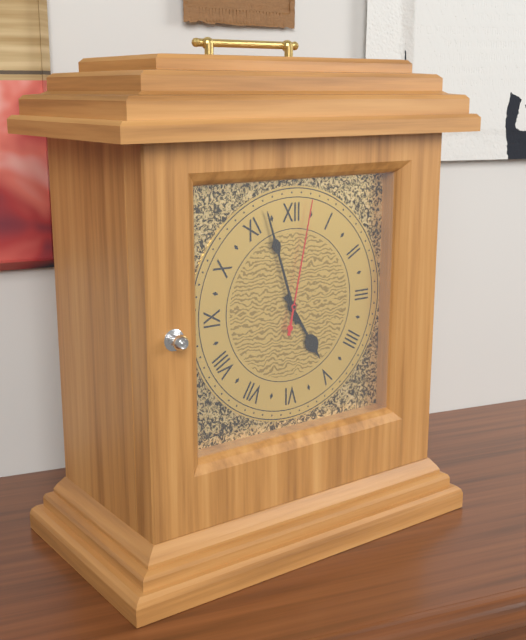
**4:57:02**
